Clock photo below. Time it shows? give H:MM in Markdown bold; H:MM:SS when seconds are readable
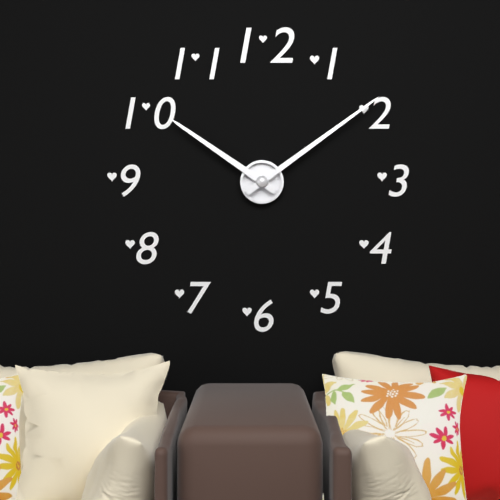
**10:09**
